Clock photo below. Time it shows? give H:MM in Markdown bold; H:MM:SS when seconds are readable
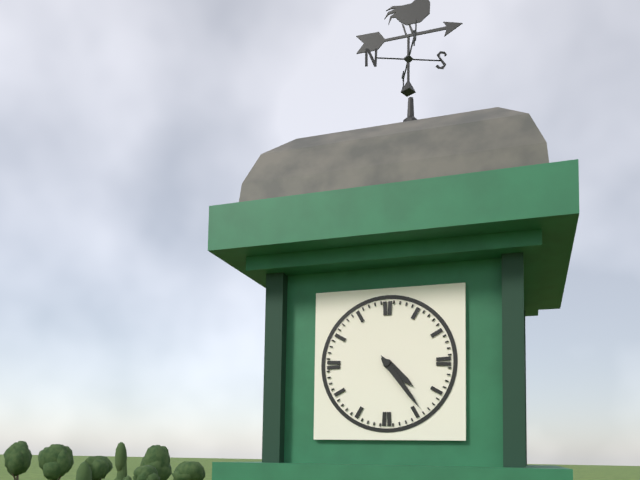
**4:24**
